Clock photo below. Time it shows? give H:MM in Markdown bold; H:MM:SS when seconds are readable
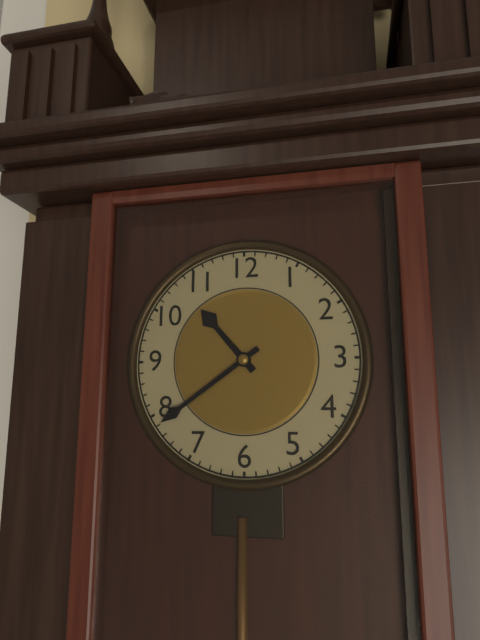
**10:39**
